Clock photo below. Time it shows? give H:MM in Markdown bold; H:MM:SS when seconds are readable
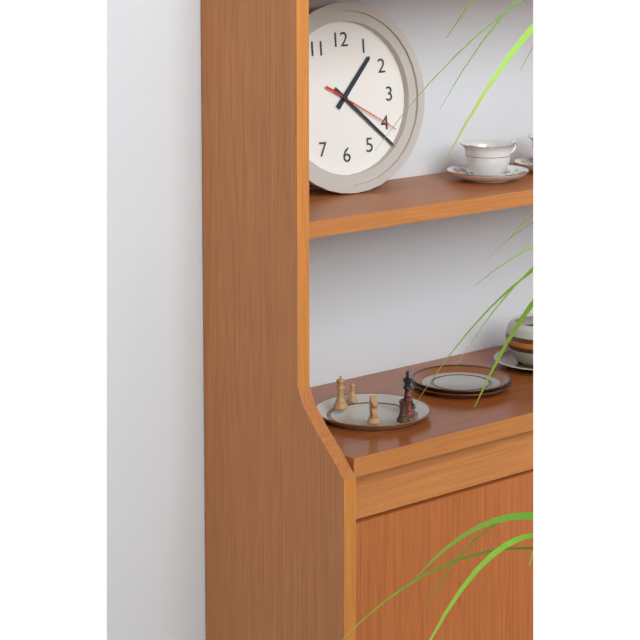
**1:22:20**
